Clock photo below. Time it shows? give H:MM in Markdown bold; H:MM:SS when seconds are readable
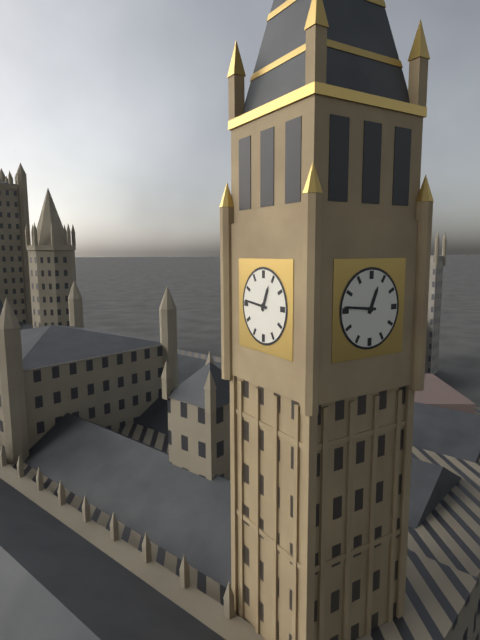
**12:46**
